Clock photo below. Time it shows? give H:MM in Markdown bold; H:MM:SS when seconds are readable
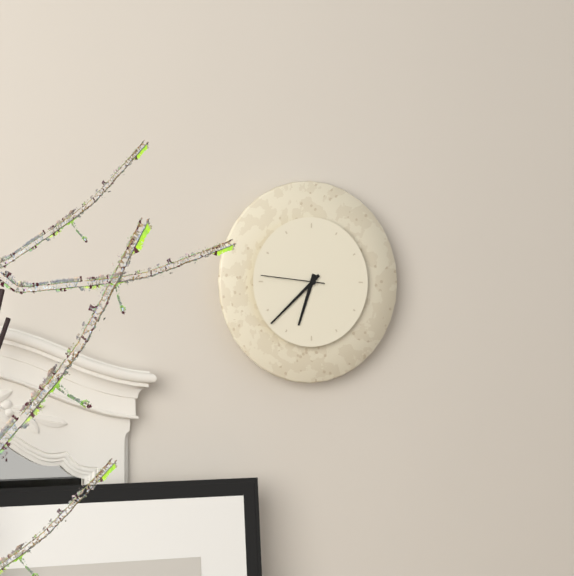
**6:38:46**
